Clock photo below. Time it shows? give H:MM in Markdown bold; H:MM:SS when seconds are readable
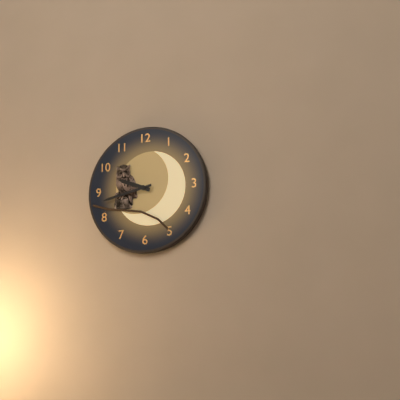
**9:43**
